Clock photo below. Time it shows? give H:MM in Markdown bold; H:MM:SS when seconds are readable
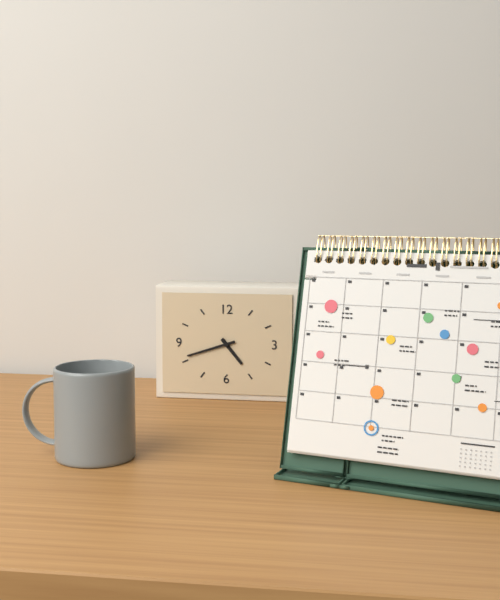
**4:42**
